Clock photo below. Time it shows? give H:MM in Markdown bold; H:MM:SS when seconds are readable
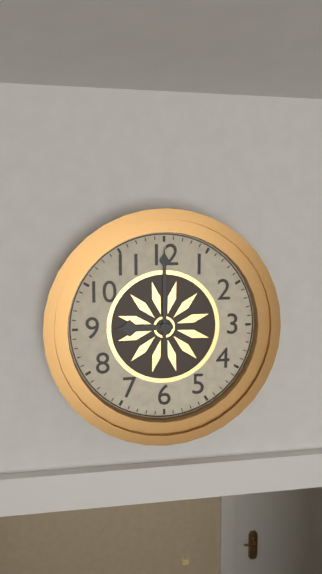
**9:00**
